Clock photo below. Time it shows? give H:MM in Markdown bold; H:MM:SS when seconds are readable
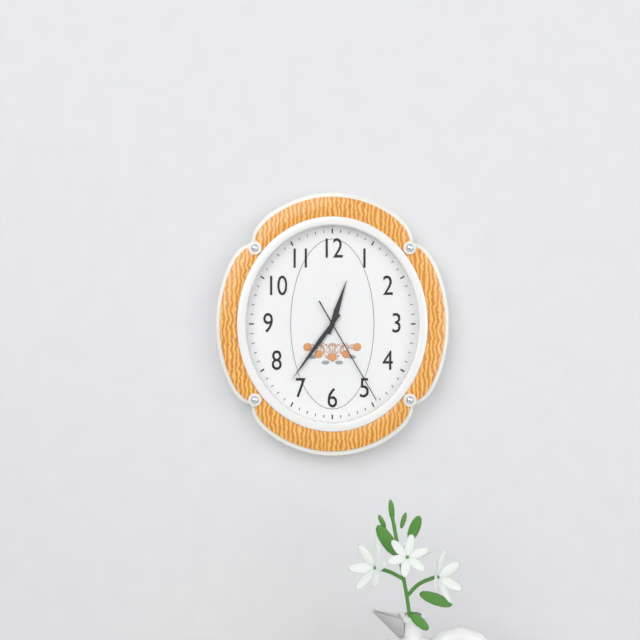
**12:36:25**
